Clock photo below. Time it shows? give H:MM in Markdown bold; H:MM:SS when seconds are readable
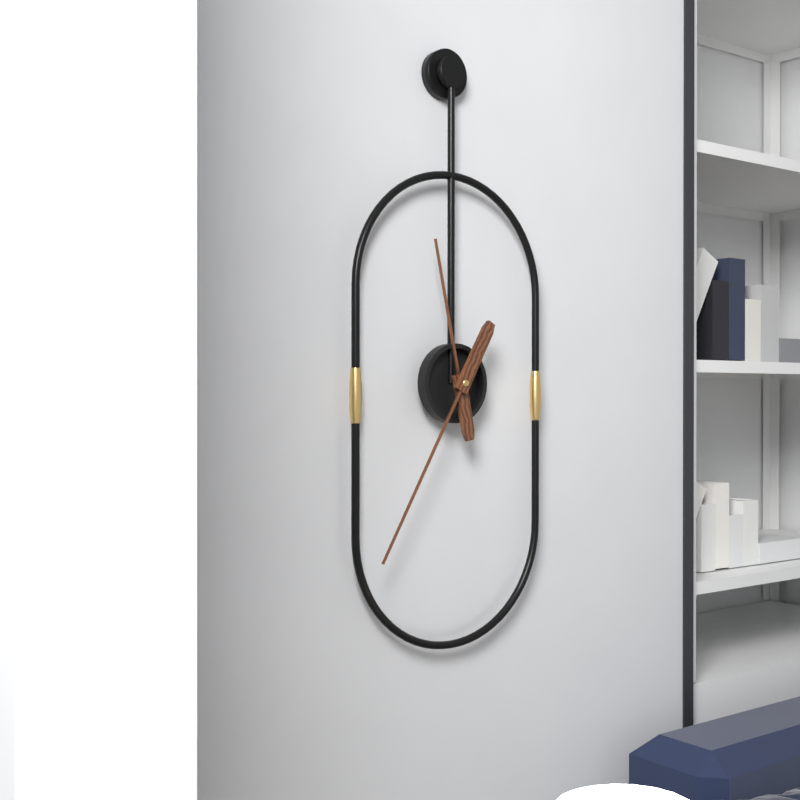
**11:35**
